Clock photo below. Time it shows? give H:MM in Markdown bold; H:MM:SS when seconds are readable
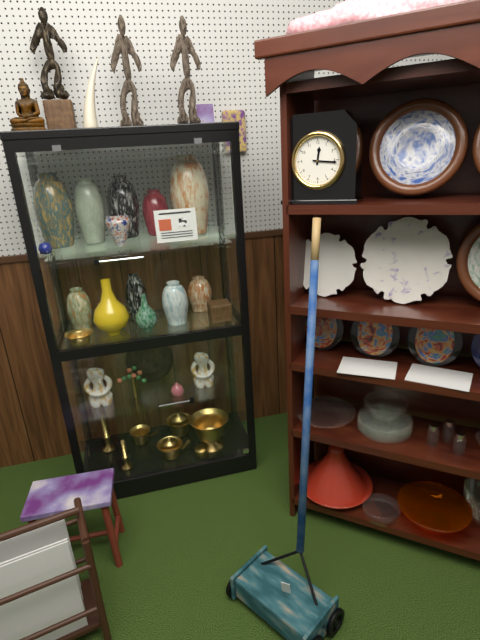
**12:16**
